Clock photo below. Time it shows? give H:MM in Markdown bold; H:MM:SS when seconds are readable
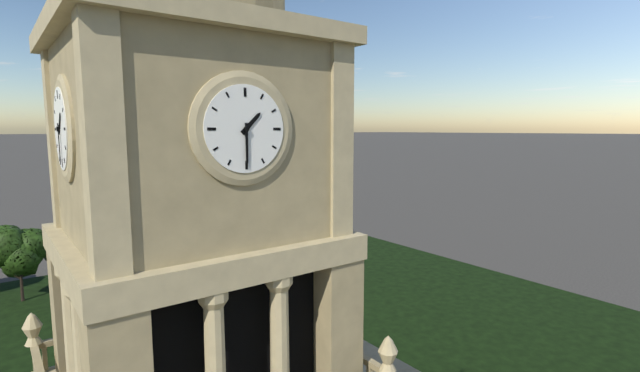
**1:30**
